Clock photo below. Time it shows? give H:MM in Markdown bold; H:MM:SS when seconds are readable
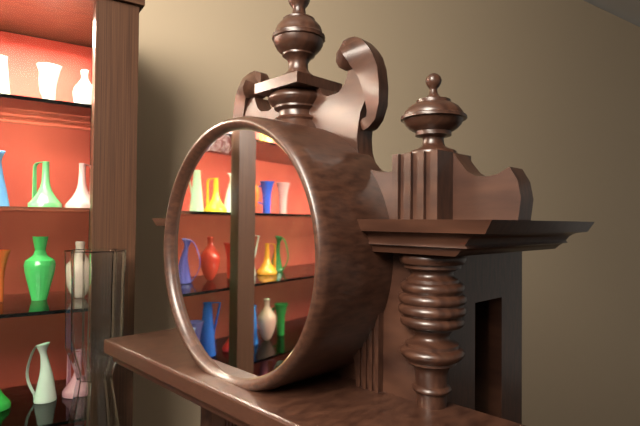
**9:31**
